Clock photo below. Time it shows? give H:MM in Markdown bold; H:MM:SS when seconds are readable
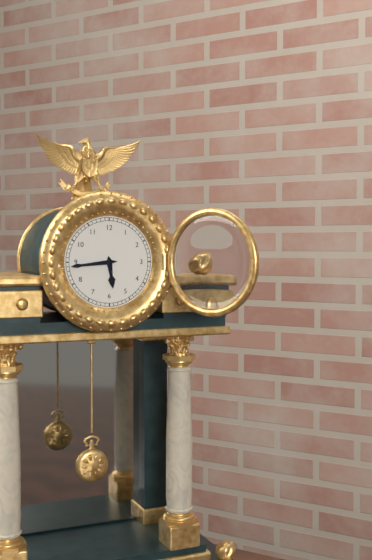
**5:44**
